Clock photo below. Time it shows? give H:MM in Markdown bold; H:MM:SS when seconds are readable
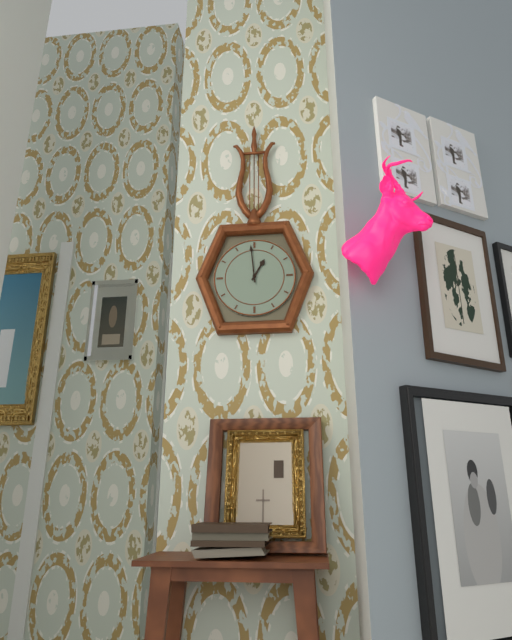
**12:59**
